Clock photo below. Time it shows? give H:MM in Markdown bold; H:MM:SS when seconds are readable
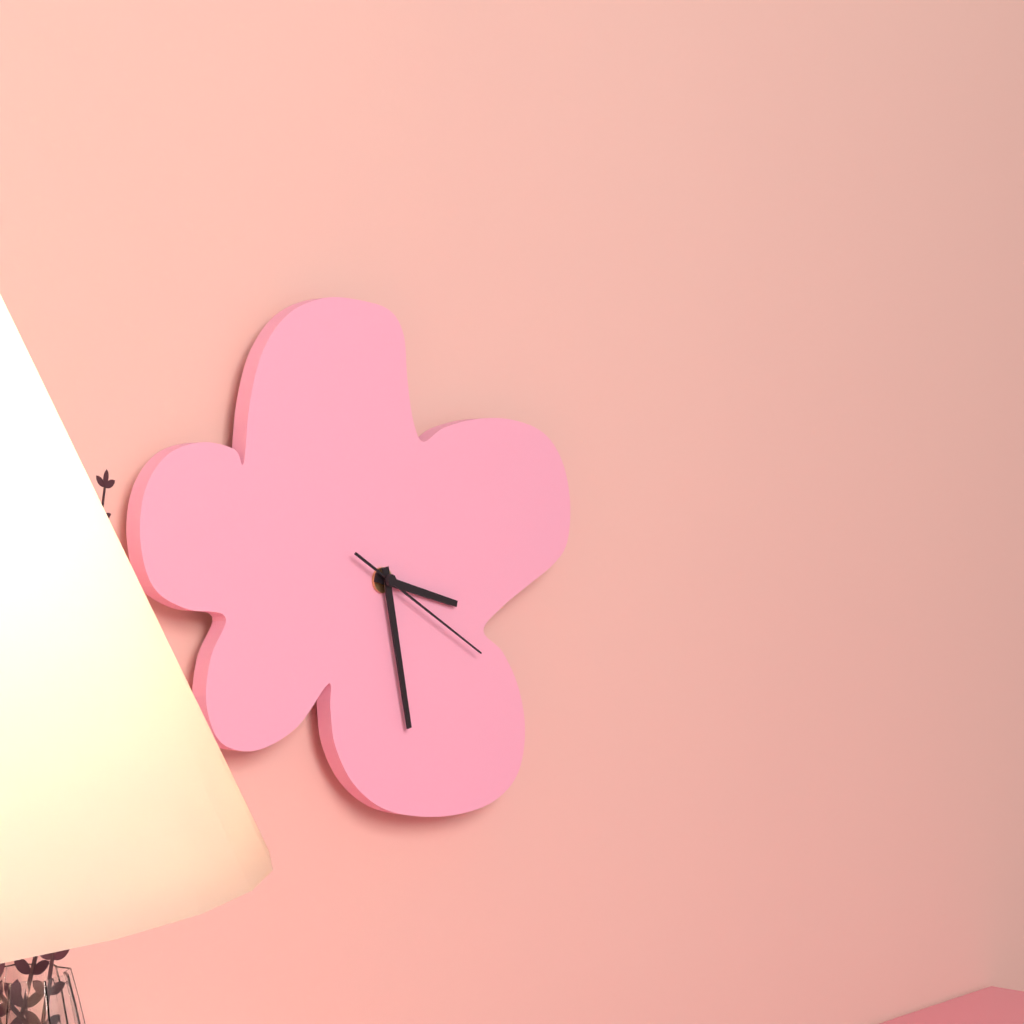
**3:28:20**
